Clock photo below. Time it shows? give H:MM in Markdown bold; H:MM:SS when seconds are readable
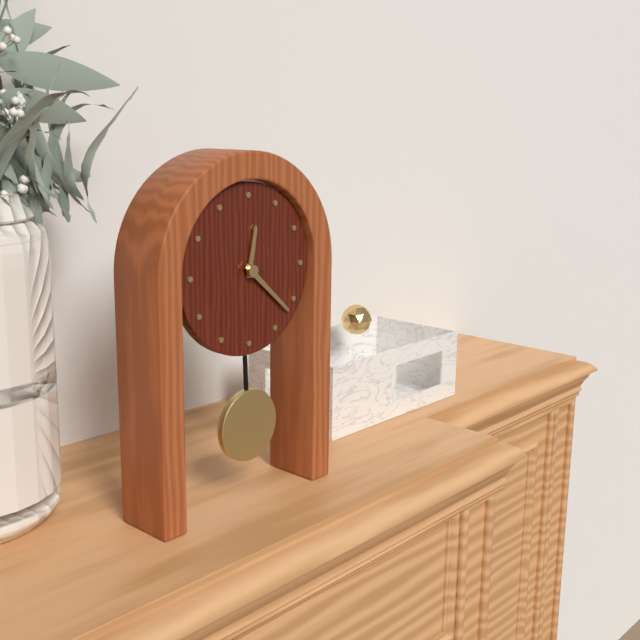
**12:22**
